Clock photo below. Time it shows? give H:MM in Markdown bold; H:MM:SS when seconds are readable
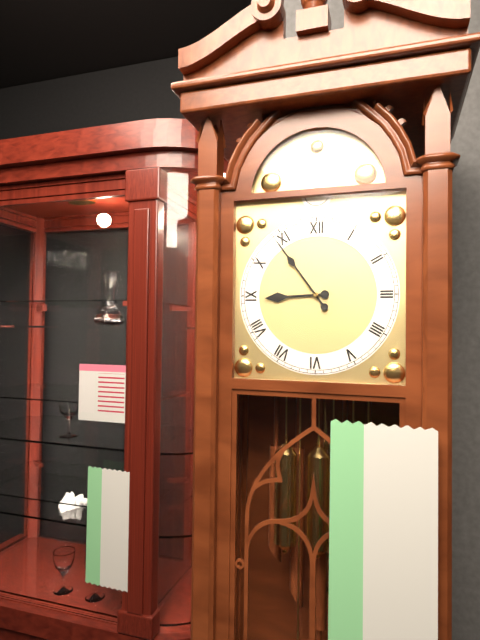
**8:54**
